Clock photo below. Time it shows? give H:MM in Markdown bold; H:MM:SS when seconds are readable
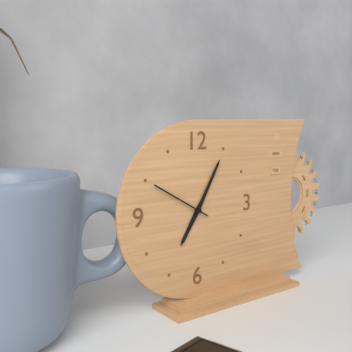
**7:05:50**
